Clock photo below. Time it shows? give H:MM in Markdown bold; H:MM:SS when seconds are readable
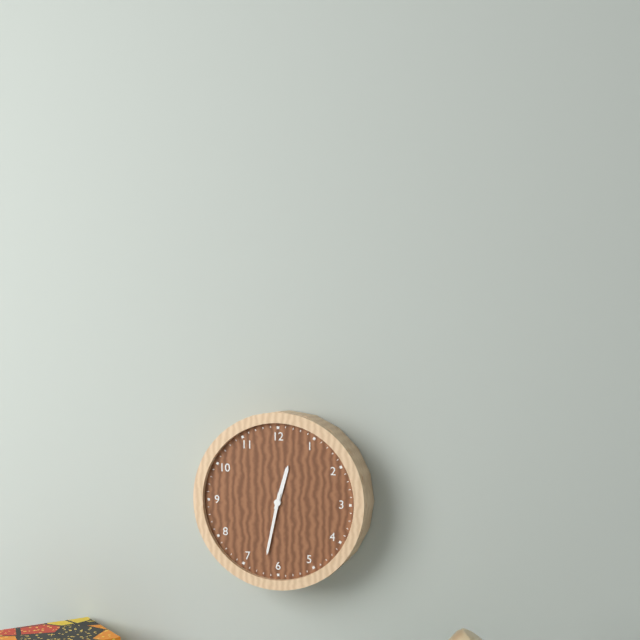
**12:32**
